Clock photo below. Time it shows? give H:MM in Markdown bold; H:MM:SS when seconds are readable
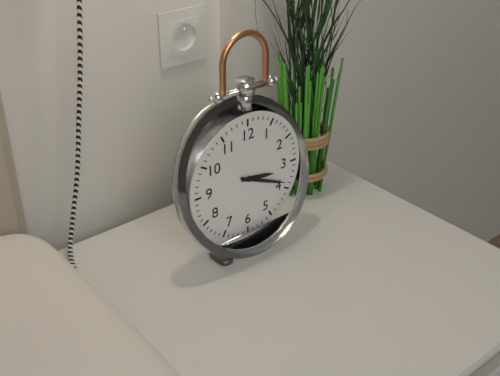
**3:19**
